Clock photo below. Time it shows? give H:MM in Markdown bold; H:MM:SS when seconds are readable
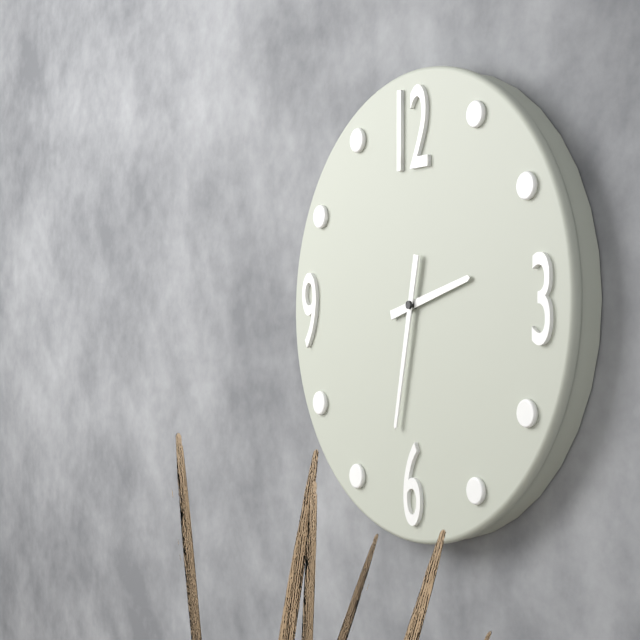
**2:32**
